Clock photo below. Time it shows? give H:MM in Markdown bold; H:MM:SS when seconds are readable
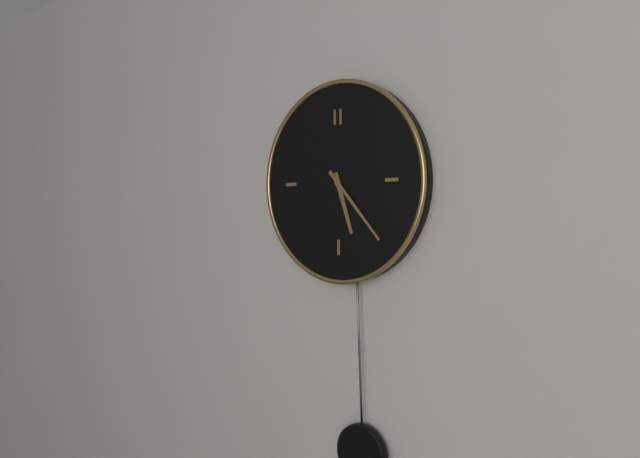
**5:23**
